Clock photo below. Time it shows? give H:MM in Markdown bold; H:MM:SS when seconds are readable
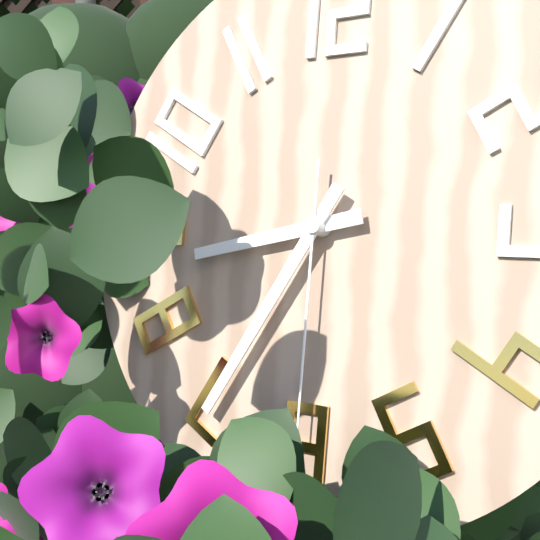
**8:35:30**
